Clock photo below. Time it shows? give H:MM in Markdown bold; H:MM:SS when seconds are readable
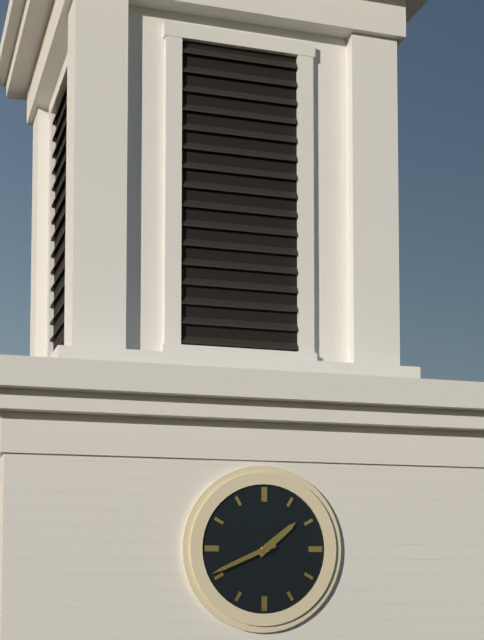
**1:41**
